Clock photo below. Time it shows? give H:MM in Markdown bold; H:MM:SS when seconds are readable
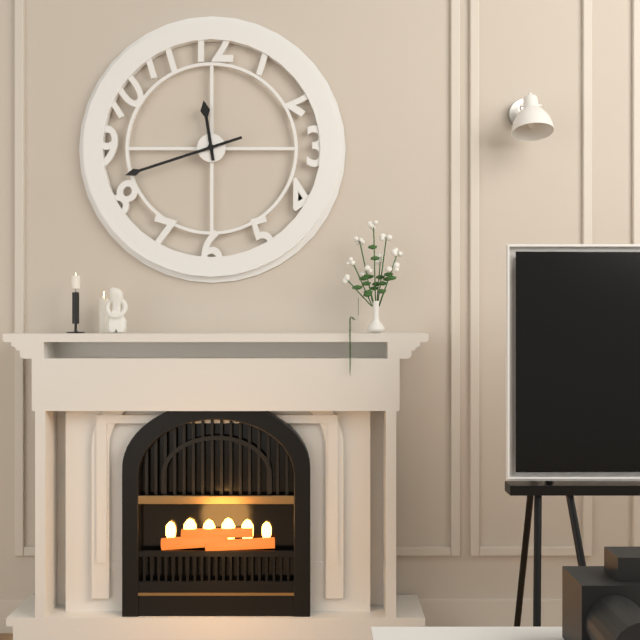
**11:42**
